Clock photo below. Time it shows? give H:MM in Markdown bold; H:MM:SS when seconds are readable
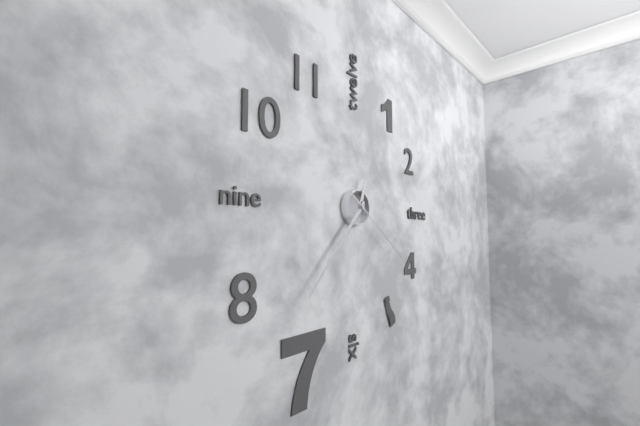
**12:37:21**
